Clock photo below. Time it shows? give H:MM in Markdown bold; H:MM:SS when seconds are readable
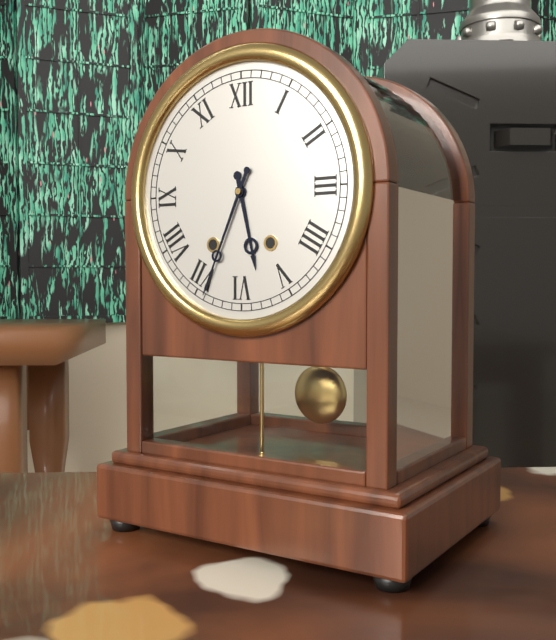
**5:34**
